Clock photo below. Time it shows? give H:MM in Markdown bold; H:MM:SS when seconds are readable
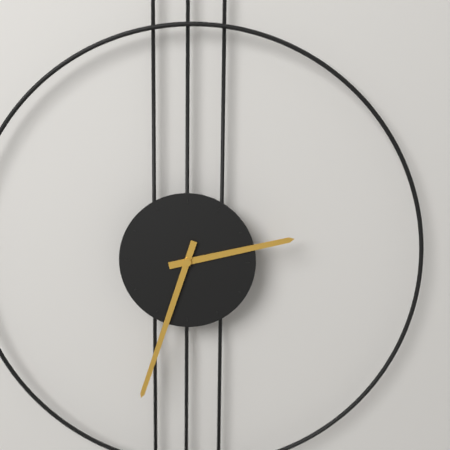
**2:33**
